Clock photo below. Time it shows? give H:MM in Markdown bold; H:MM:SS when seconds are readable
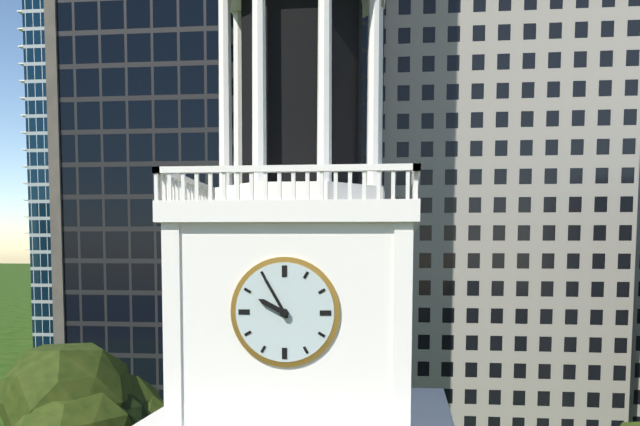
**9:55**
